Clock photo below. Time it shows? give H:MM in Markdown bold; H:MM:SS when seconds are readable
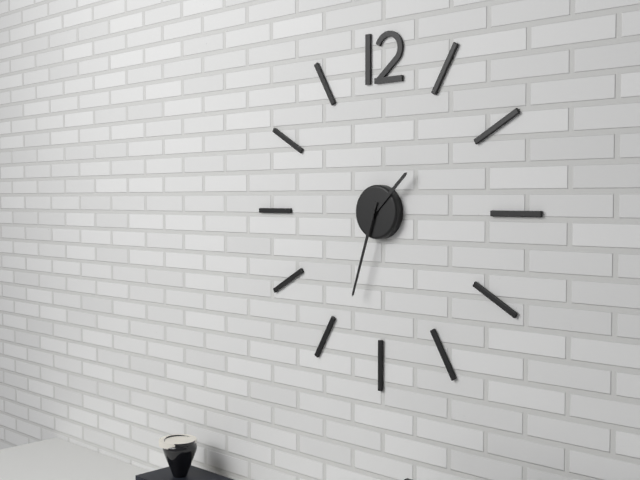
**1:33**
